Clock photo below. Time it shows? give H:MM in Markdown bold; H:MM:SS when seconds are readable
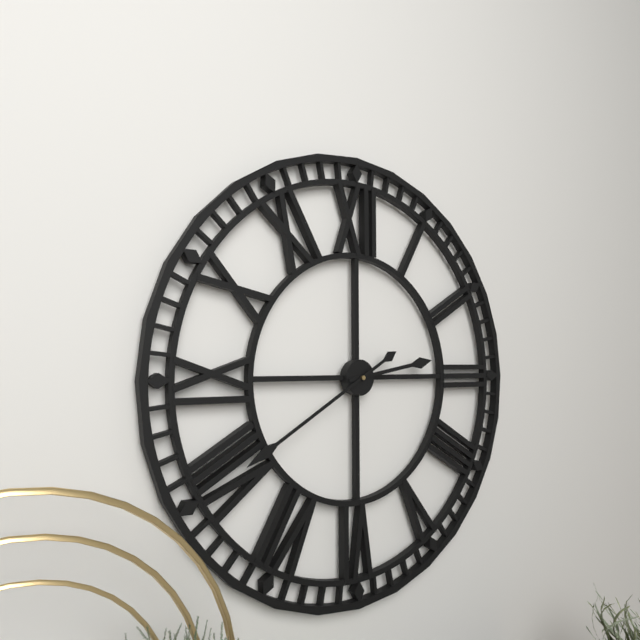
**2:40**
